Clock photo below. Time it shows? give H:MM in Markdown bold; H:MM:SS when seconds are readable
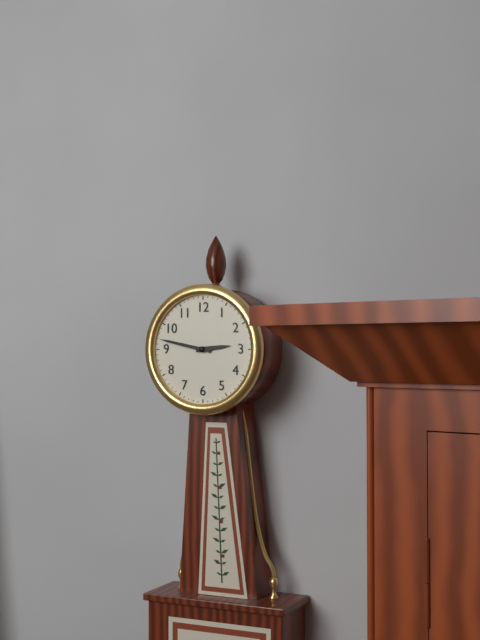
**2:47**
